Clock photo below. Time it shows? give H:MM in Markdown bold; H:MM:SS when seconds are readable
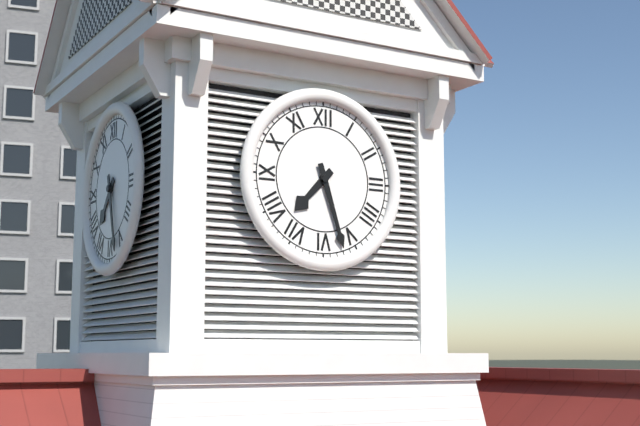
**7:27**
